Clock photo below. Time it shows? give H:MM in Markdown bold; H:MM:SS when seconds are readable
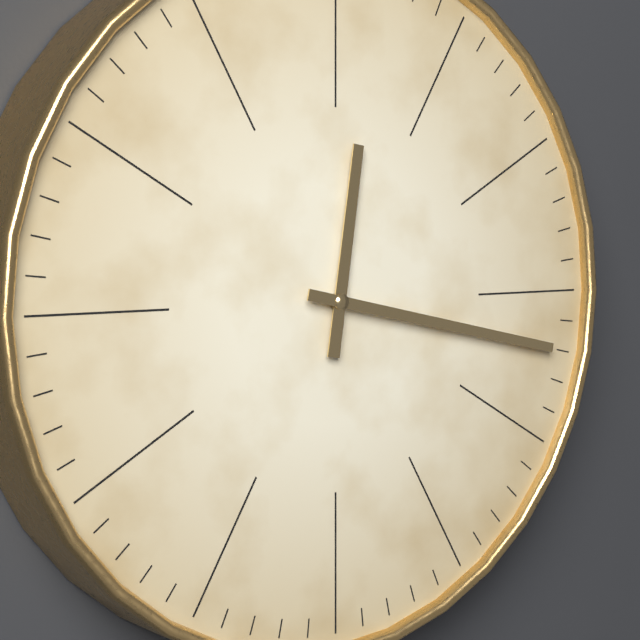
**12:17**
